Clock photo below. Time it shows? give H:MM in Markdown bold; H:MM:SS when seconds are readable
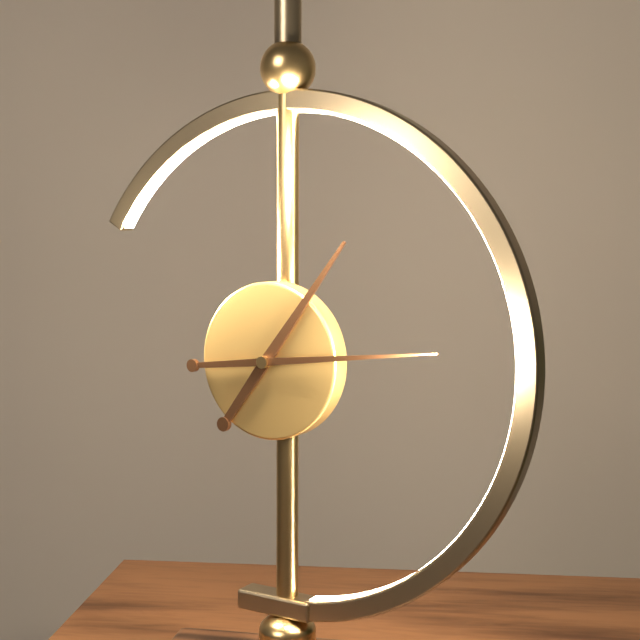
**1:14**
